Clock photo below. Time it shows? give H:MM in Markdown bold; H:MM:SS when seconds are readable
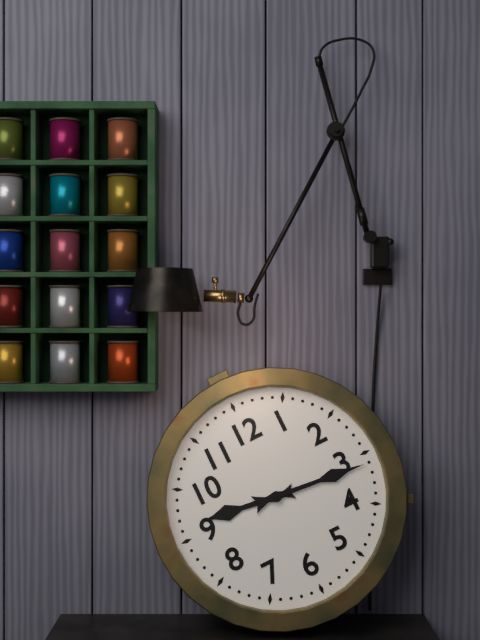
**9:16**
